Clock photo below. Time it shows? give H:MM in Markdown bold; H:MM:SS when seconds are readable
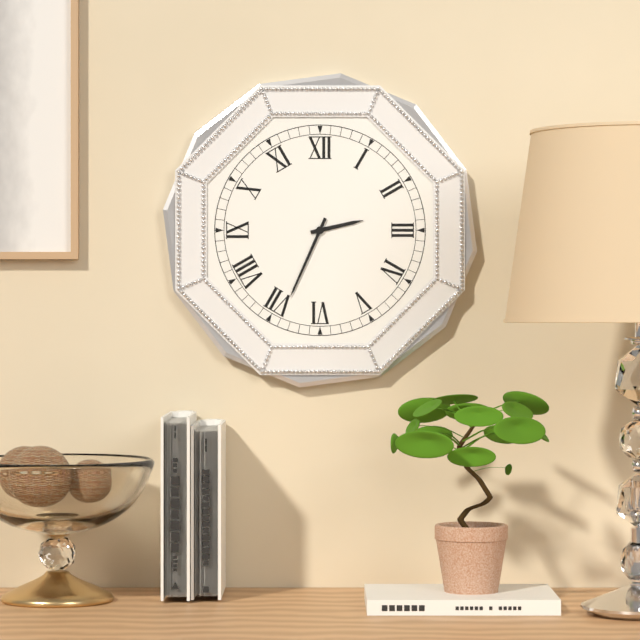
**2:34**
